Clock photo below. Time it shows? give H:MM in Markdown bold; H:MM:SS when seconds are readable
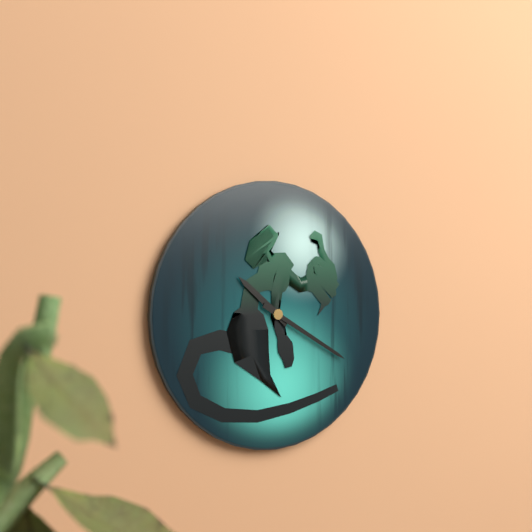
**10:20**
